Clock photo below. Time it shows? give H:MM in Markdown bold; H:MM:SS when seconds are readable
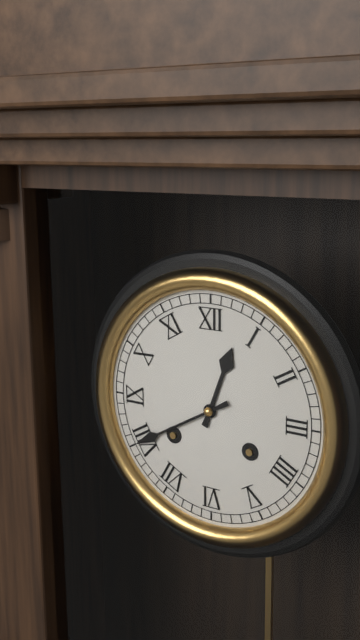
**12:40**
